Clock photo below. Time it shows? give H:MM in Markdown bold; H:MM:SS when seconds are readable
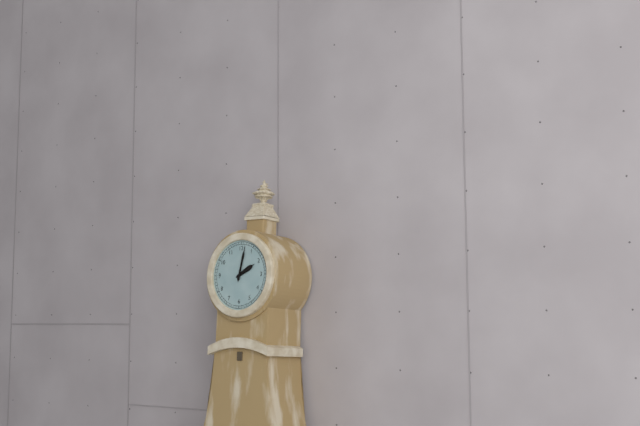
**2:02**
